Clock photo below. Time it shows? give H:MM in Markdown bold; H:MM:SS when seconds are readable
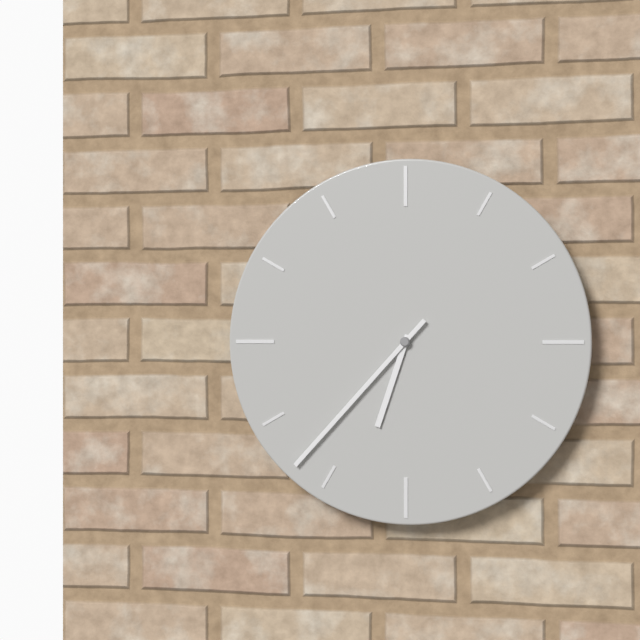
**6:37**
